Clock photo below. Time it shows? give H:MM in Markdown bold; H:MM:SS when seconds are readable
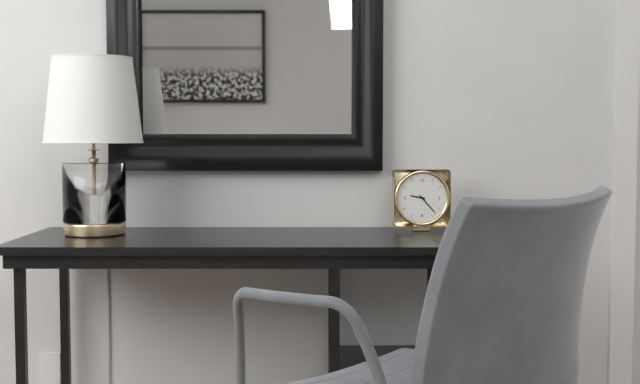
**9:23**
